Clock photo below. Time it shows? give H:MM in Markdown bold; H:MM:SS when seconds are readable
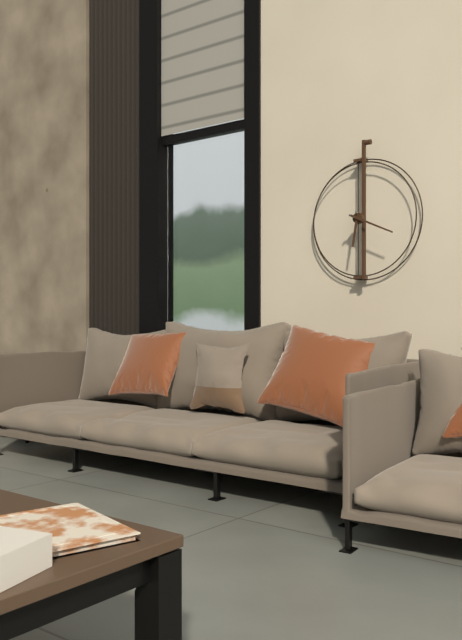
**6:19**
